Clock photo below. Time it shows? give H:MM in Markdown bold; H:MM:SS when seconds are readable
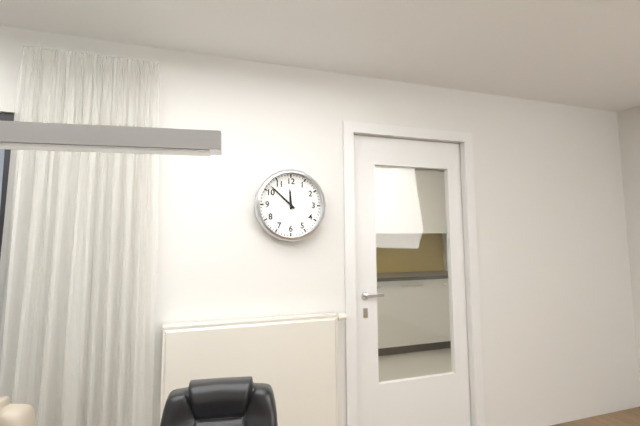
**11:52**
